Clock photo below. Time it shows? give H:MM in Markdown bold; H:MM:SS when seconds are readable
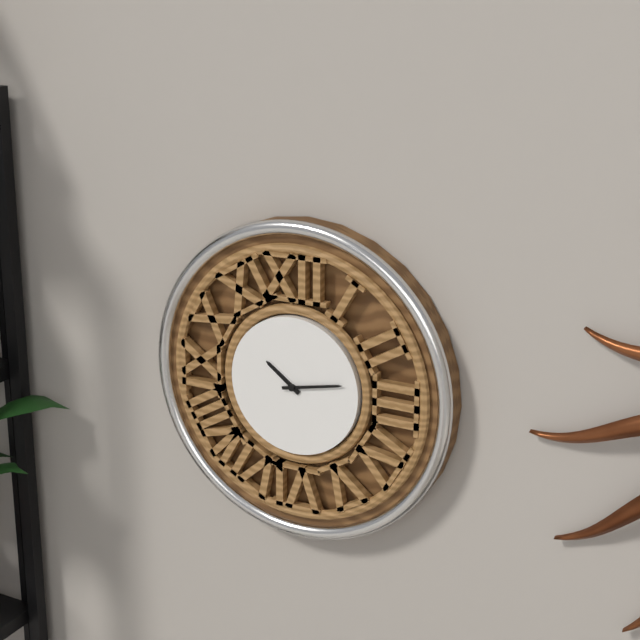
**10:13**
